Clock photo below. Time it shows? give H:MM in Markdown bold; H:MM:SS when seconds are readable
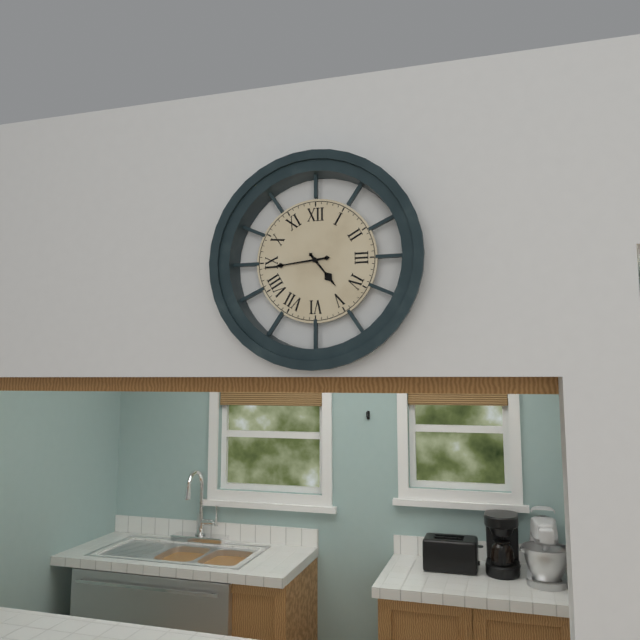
**4:44**
